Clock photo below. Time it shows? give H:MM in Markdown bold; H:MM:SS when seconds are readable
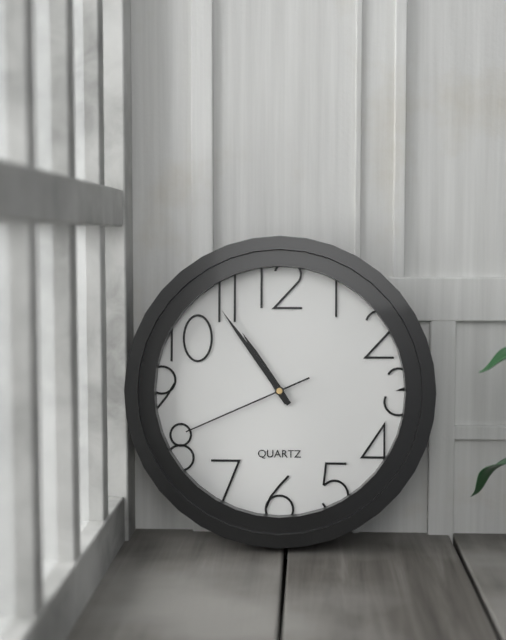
**10:54:41**
